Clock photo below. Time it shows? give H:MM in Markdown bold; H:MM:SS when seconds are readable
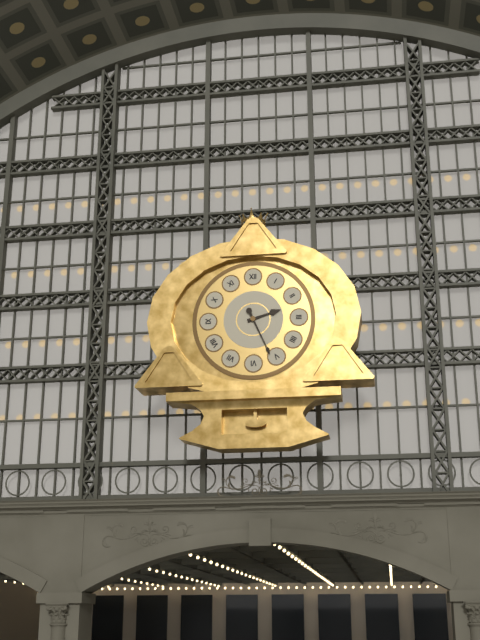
**2:26**
